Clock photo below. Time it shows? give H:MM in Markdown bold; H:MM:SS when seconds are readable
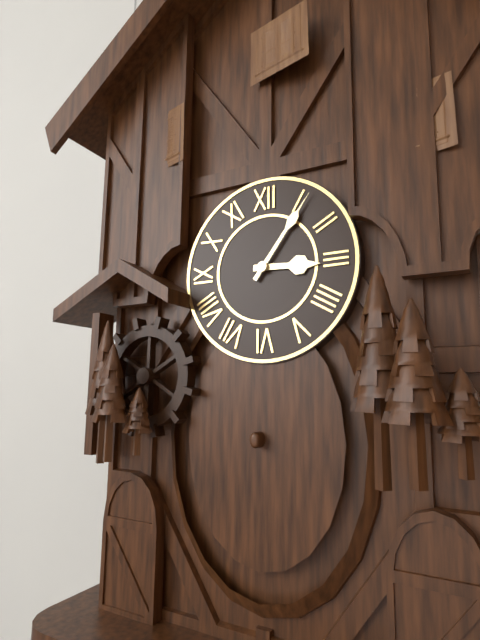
**3:06**
